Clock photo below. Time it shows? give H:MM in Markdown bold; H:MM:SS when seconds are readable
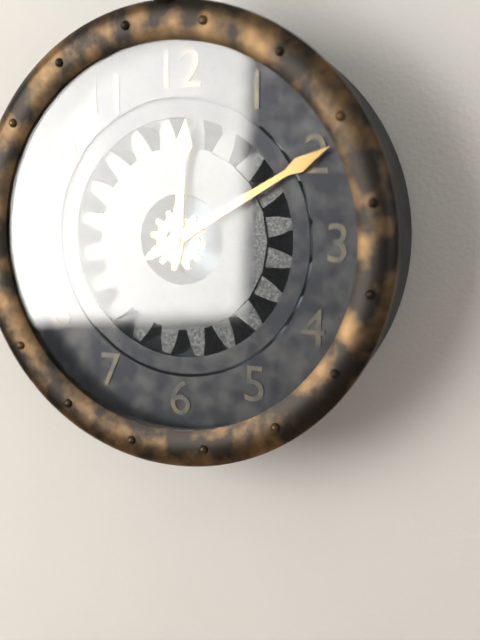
**12:10**
